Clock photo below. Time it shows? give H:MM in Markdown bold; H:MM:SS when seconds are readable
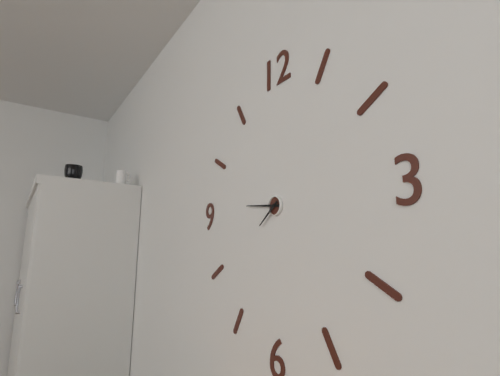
**7:46**
